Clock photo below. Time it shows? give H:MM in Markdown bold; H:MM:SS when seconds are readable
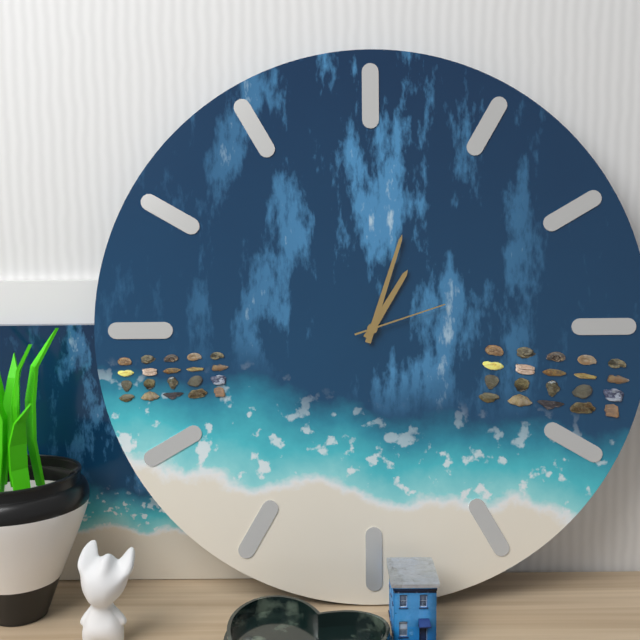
**1:03:12**
